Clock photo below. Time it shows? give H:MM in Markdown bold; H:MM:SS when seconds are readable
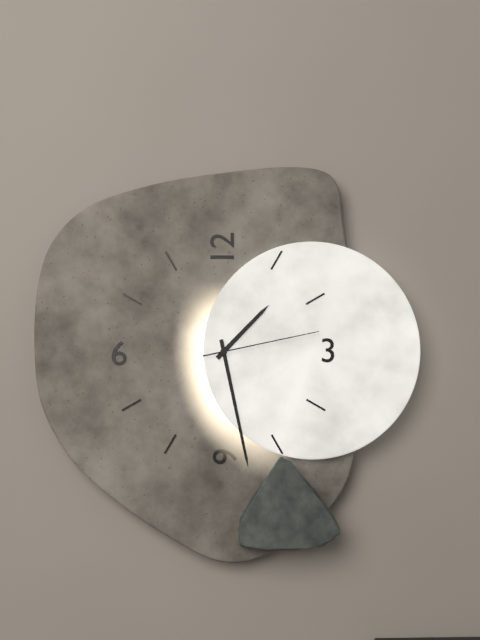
**1:28:13**
